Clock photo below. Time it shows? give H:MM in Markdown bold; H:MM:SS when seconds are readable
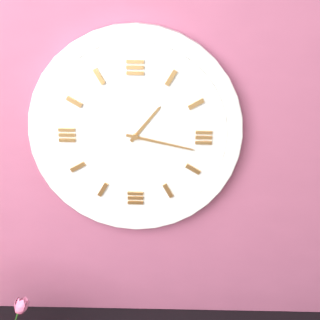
**1:17**
